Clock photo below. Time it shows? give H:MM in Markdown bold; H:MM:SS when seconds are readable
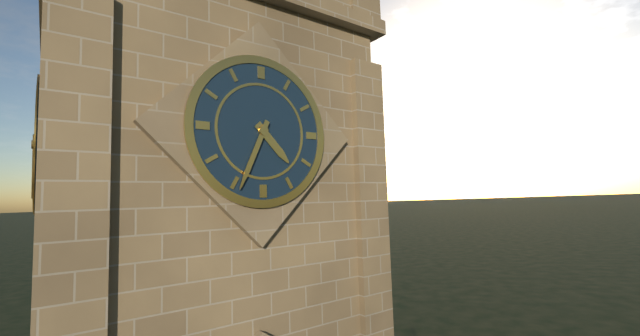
**4:34**
